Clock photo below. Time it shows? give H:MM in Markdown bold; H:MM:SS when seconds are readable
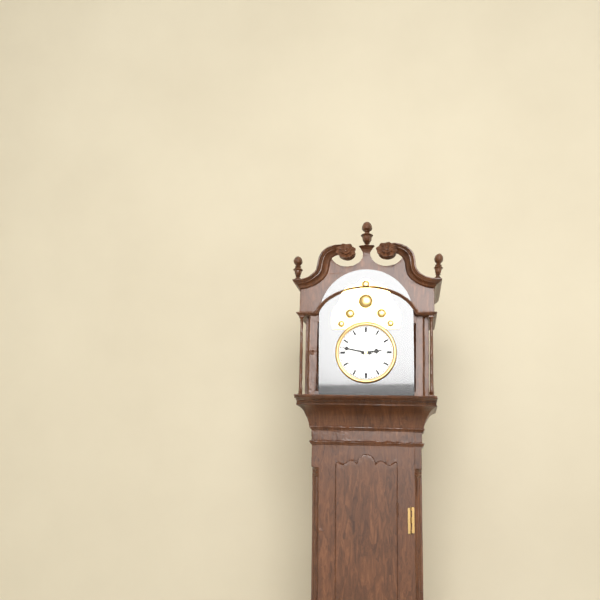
**2:47**
